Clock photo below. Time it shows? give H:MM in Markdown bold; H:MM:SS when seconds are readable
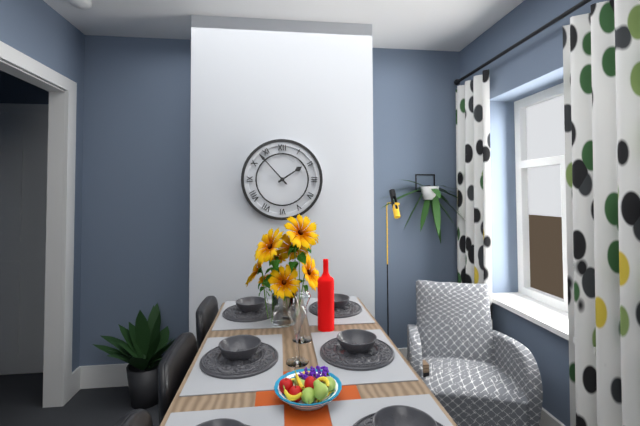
**1:53**
